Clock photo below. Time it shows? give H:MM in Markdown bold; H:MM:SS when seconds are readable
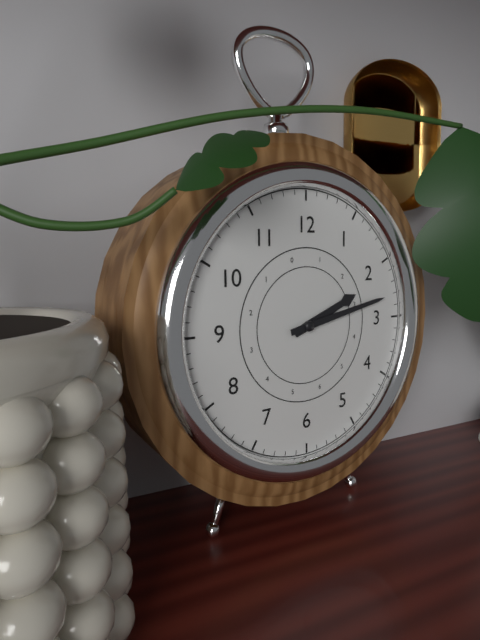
**2:13**
